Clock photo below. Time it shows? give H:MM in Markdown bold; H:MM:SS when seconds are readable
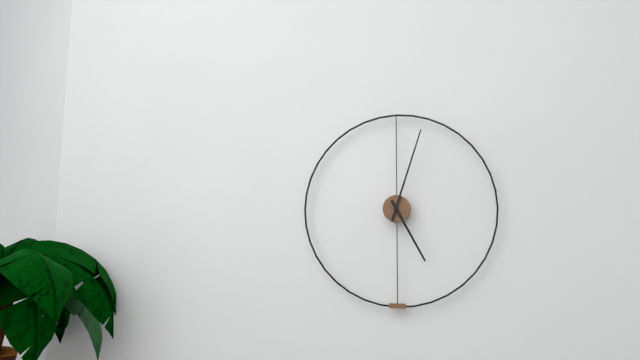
**5:03**
